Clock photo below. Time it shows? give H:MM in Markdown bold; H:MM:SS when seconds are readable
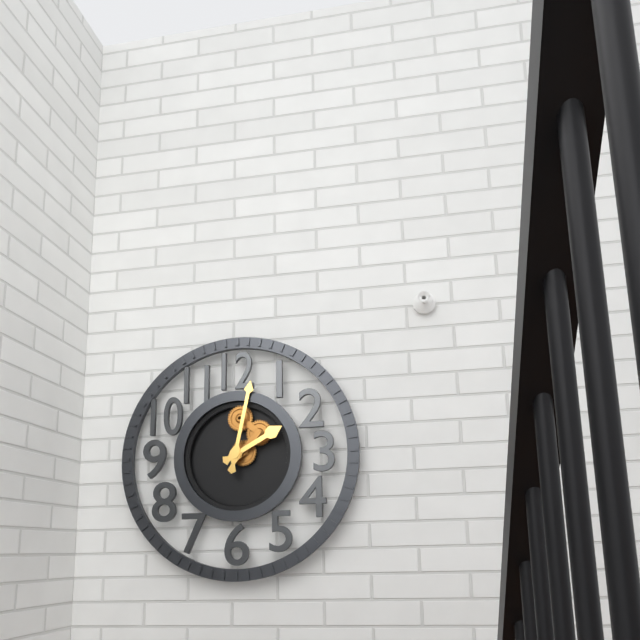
**2:02**
